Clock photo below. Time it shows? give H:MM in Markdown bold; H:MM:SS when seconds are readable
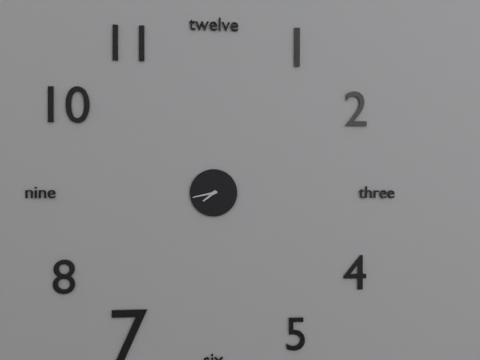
**7:43**
